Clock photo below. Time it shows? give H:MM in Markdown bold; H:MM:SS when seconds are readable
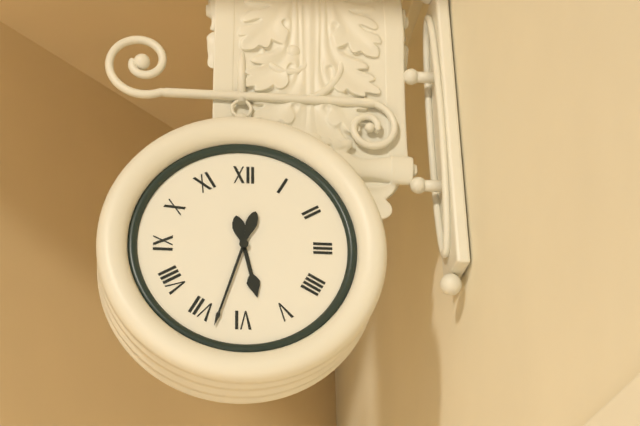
**5:33**
